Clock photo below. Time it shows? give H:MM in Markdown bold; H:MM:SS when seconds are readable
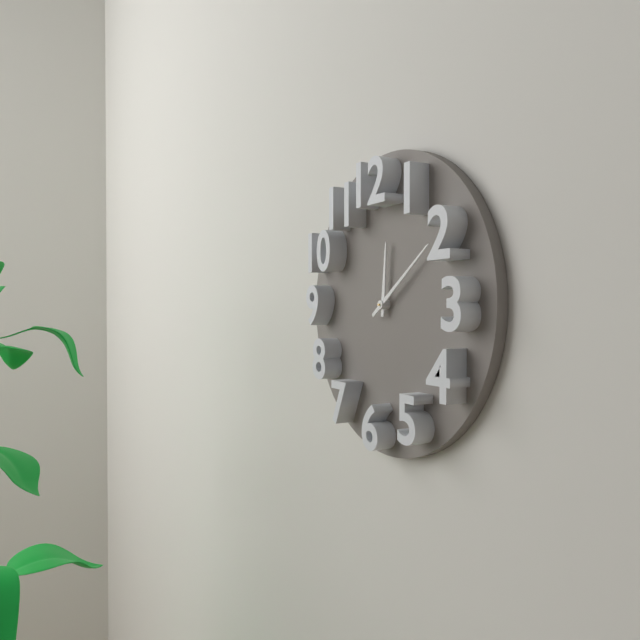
**12:09**
